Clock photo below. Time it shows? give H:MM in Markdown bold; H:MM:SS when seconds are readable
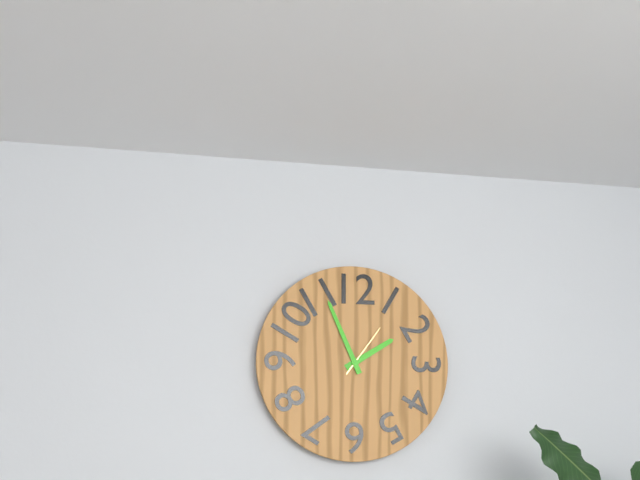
**1:56:06**
